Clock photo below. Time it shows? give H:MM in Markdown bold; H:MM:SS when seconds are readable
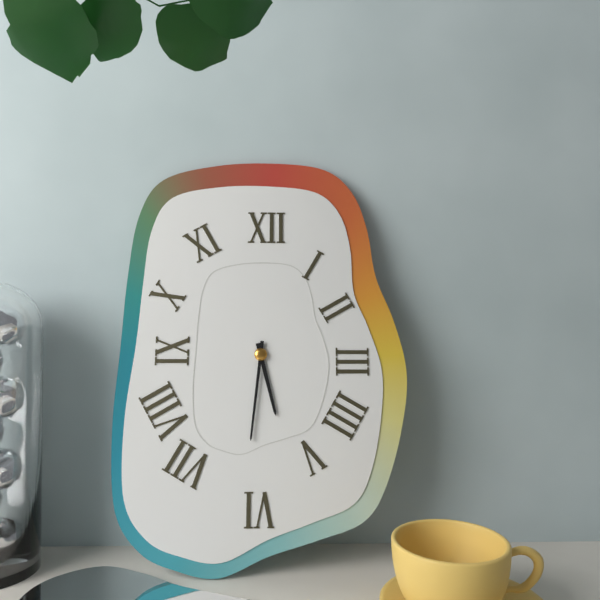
**5:31**
